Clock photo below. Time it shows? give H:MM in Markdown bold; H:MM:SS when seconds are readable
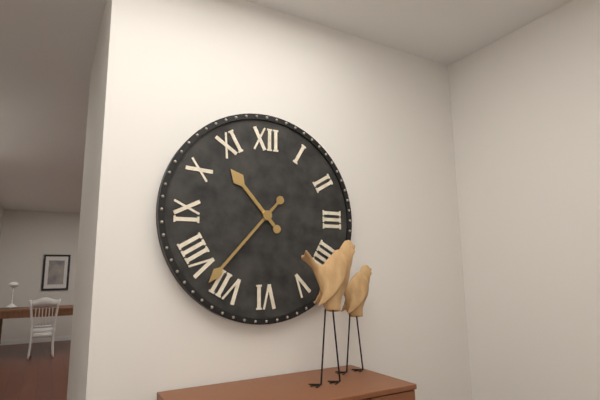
**10:37**
